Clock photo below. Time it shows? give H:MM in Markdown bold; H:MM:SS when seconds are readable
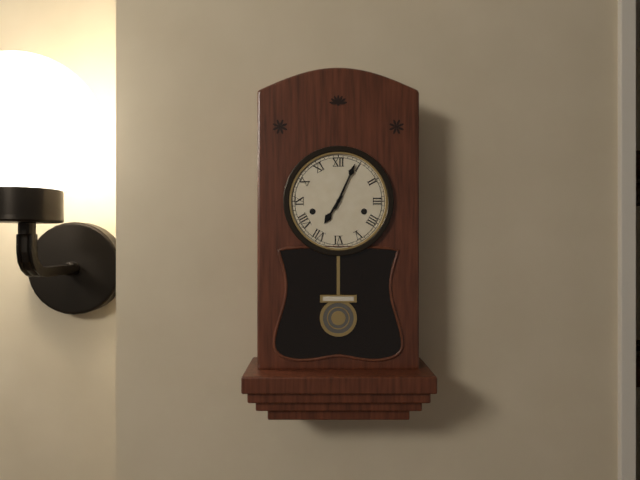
**7:04**
